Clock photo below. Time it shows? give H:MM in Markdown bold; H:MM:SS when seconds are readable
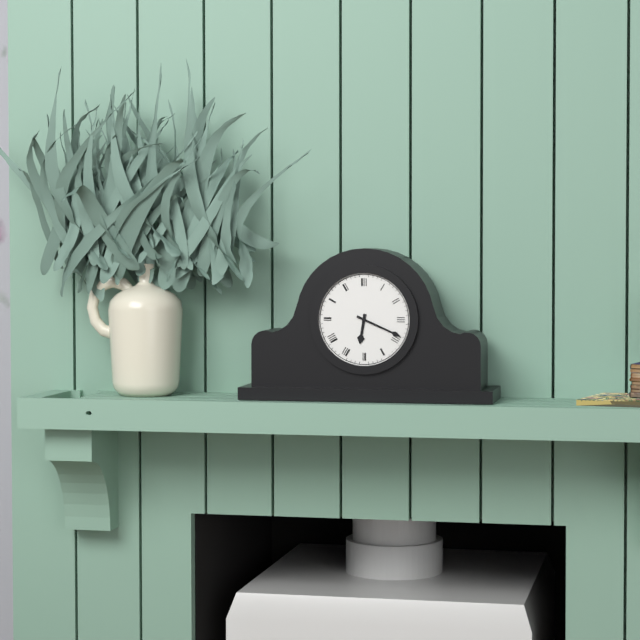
**6:19**
